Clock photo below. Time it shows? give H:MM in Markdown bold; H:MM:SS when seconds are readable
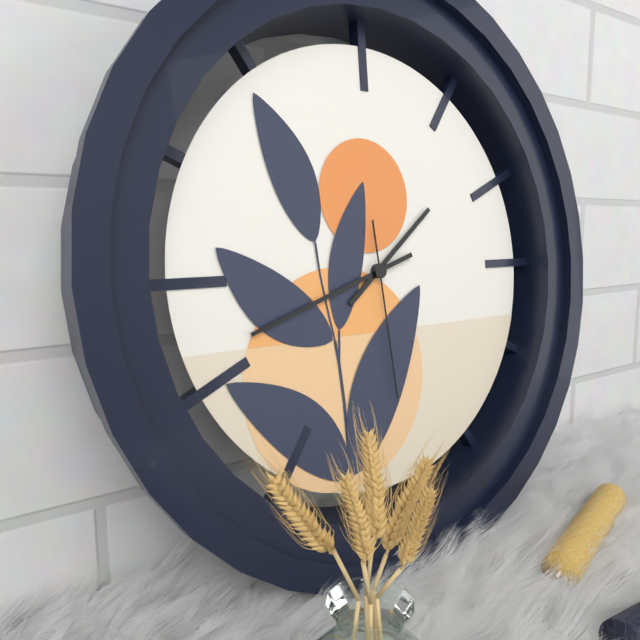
**1:42:29**
